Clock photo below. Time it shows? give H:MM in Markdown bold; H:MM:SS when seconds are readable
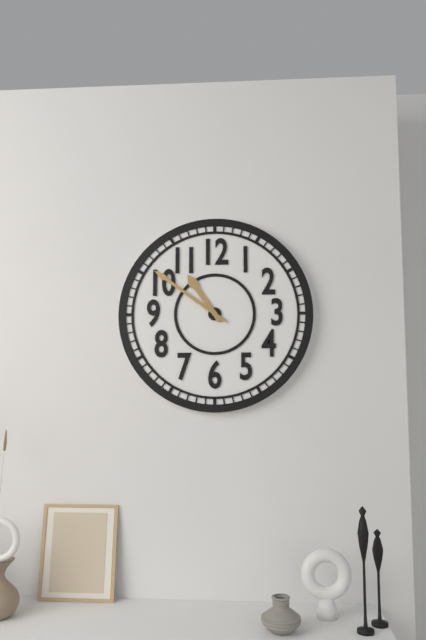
**10:51**
